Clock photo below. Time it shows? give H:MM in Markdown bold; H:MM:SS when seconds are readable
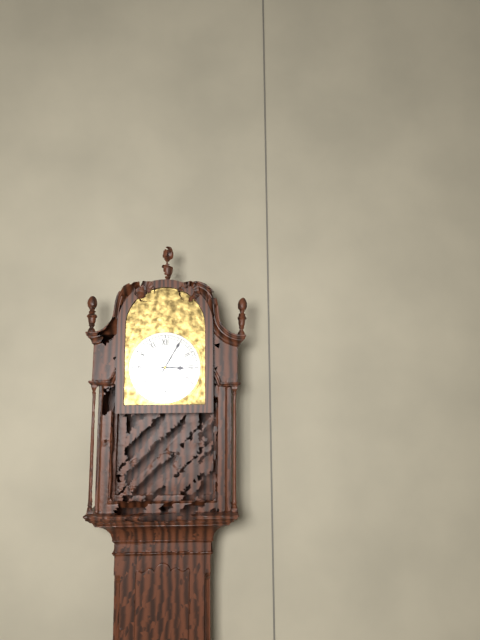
**3:05**
